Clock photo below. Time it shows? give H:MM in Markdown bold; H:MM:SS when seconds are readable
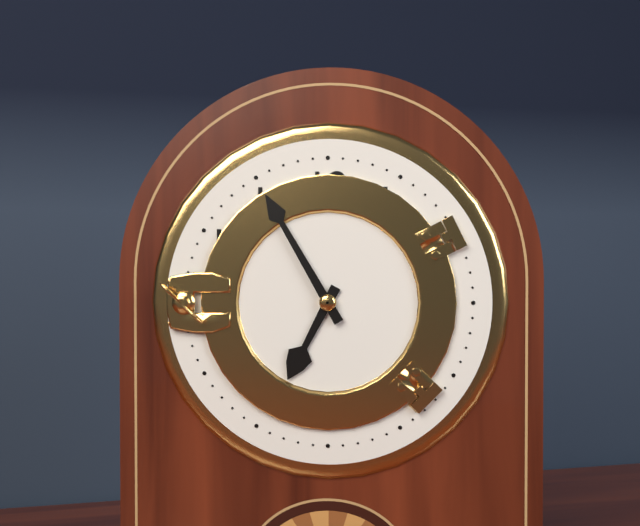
**6:55**
